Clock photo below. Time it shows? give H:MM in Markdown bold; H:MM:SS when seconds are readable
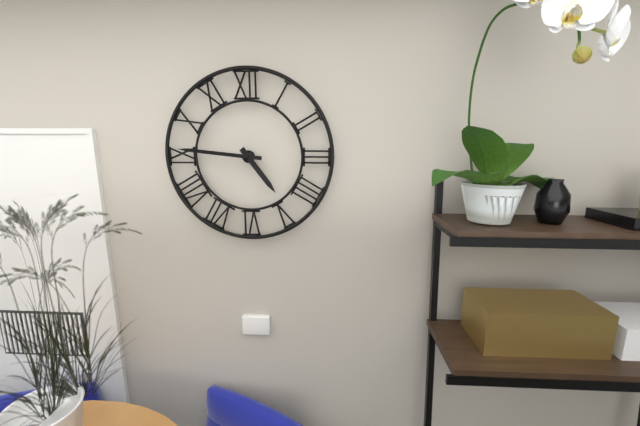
**4:46**
